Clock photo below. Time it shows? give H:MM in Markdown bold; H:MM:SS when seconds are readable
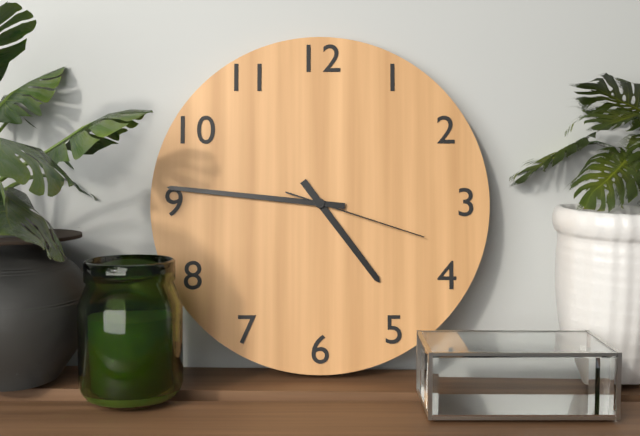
**4:46:18**
